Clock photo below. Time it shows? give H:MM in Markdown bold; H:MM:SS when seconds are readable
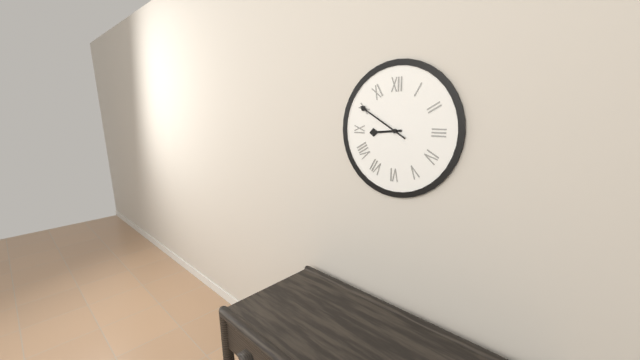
**8:50**
